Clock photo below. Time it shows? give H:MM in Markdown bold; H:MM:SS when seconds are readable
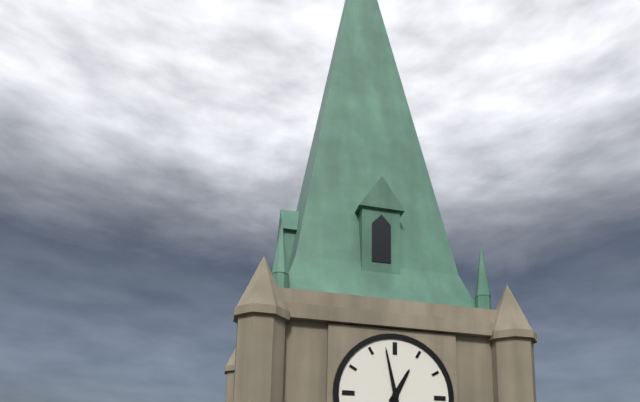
**12:58**
